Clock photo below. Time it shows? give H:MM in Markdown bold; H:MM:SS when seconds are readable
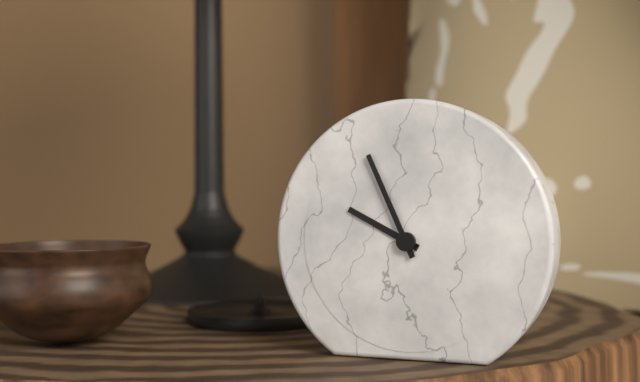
**9:56**
